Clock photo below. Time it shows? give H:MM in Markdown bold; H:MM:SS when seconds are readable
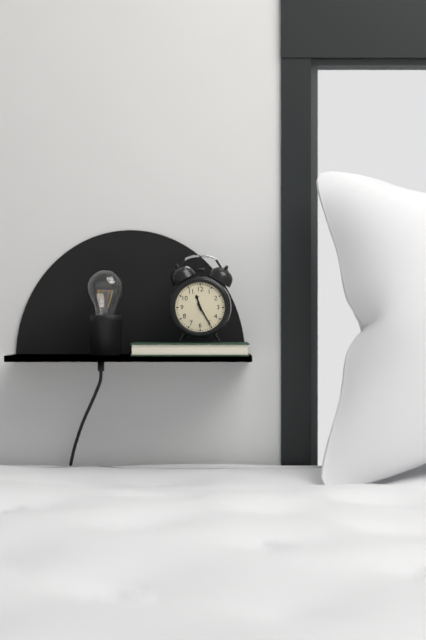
**11:25**
